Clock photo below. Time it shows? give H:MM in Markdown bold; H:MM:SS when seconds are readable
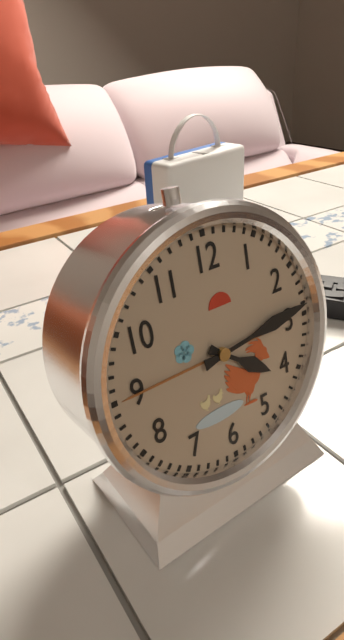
**4:14**
